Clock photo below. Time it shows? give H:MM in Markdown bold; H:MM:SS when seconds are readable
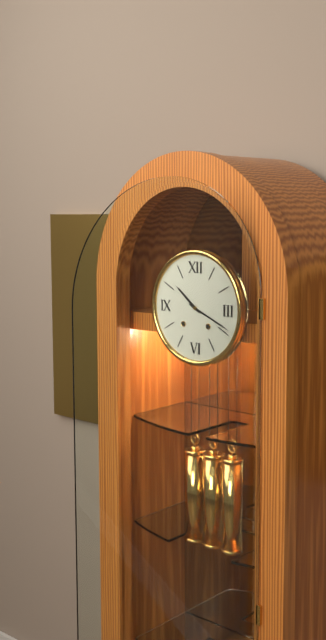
**10:19**
